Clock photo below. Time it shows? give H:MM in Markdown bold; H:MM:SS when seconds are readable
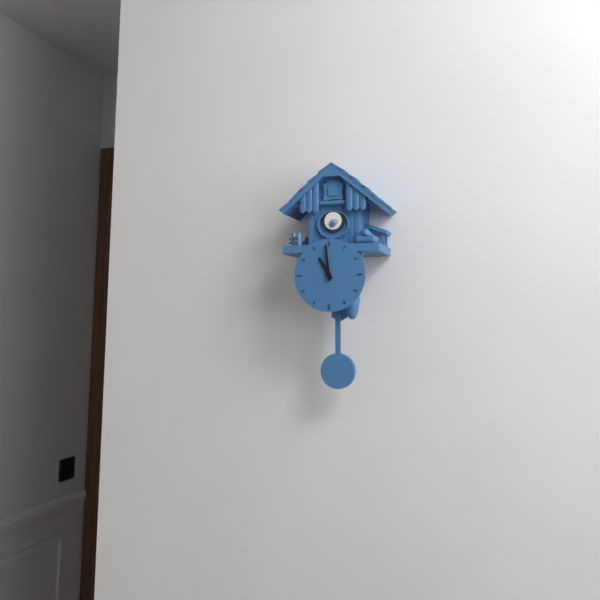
**10:59**
